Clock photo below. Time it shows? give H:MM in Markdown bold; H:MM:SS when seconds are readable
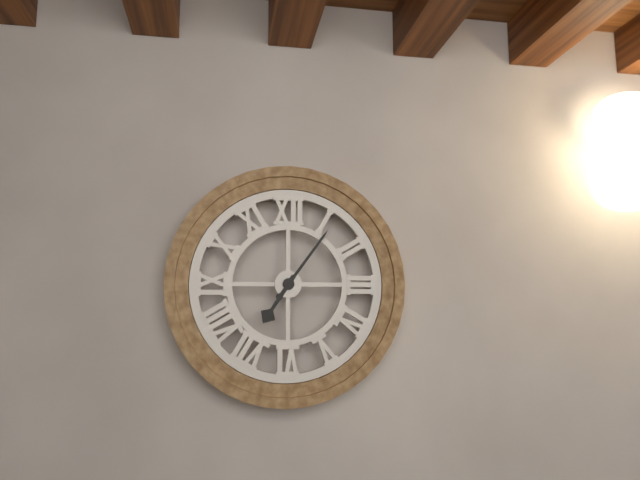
**7:06**
